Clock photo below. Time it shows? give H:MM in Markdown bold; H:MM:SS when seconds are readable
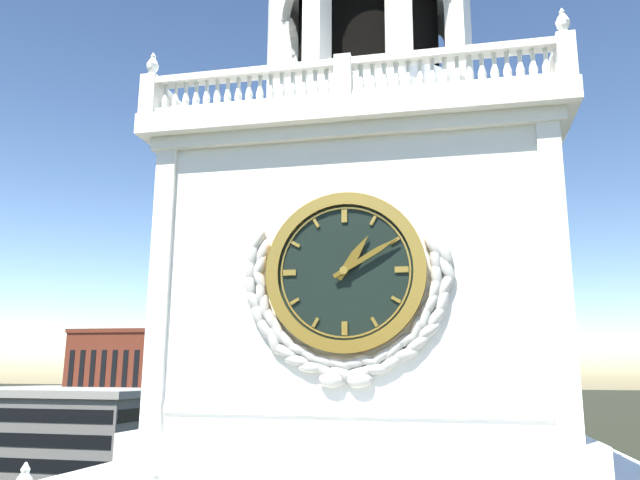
**1:10**
